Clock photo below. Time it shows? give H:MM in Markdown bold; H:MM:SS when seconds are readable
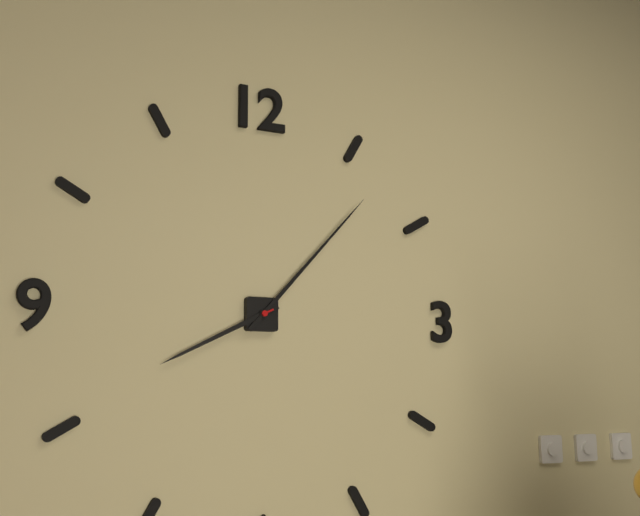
**8:07**
